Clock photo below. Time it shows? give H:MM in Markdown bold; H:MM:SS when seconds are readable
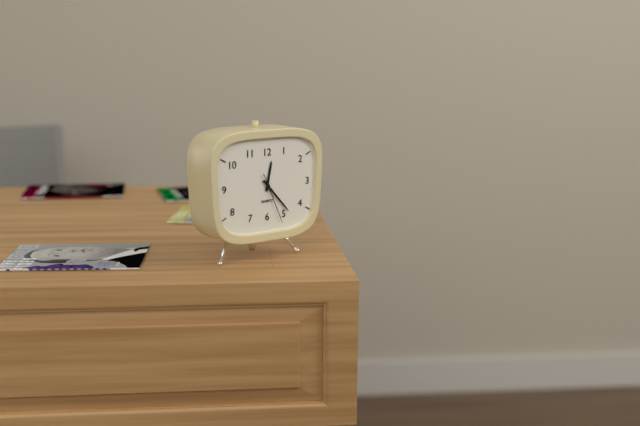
**12:23**
